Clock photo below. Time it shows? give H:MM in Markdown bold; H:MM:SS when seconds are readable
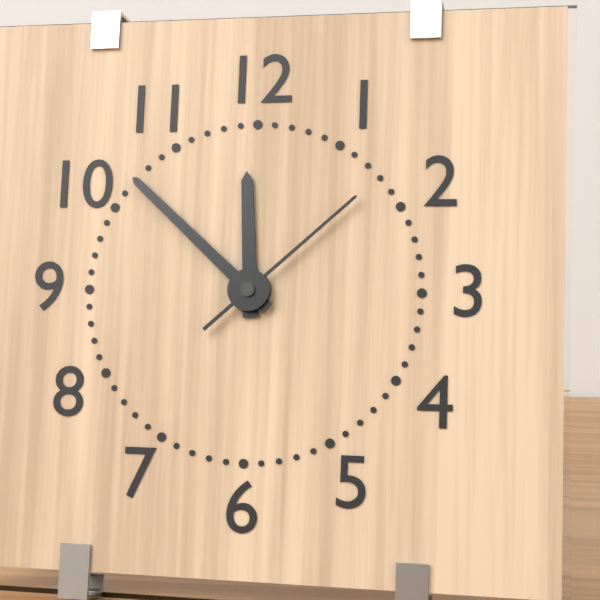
**11:52:08**
